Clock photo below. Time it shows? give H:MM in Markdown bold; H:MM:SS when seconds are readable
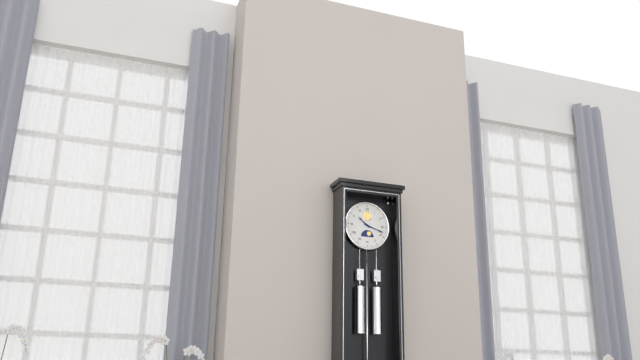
**10:18**
